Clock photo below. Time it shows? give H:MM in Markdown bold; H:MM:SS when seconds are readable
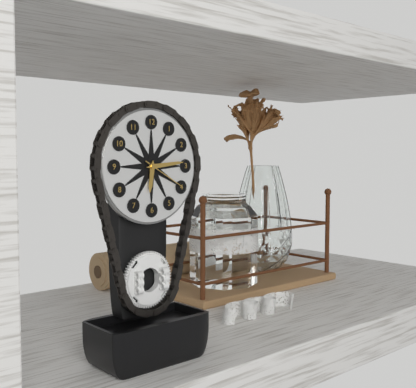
**6:14**
